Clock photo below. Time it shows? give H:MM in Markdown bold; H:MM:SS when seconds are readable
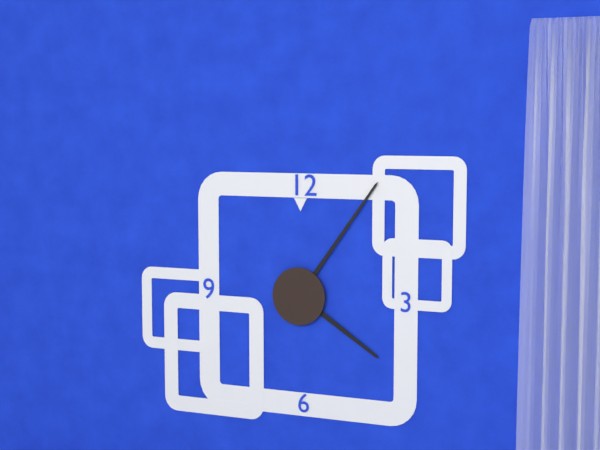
**4:06**
